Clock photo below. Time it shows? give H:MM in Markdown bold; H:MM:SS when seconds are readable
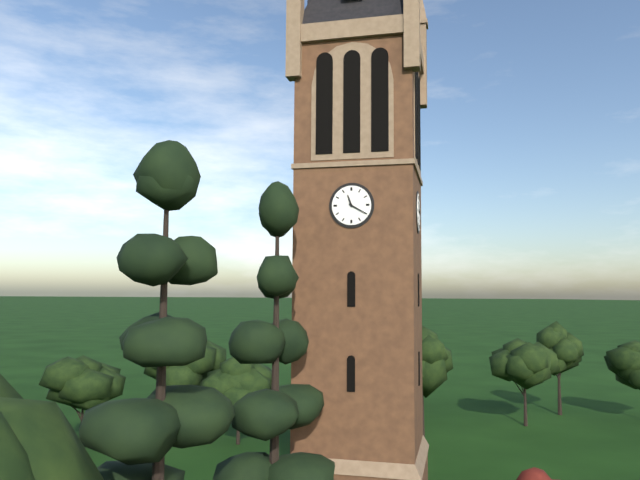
**11:20**
